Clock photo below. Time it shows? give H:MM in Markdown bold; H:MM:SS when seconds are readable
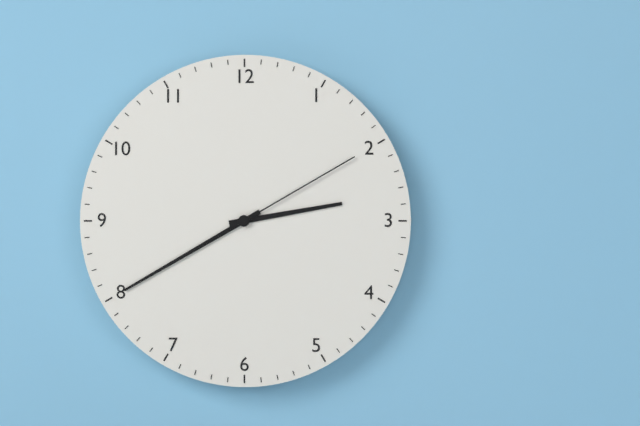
**2:40:10**
